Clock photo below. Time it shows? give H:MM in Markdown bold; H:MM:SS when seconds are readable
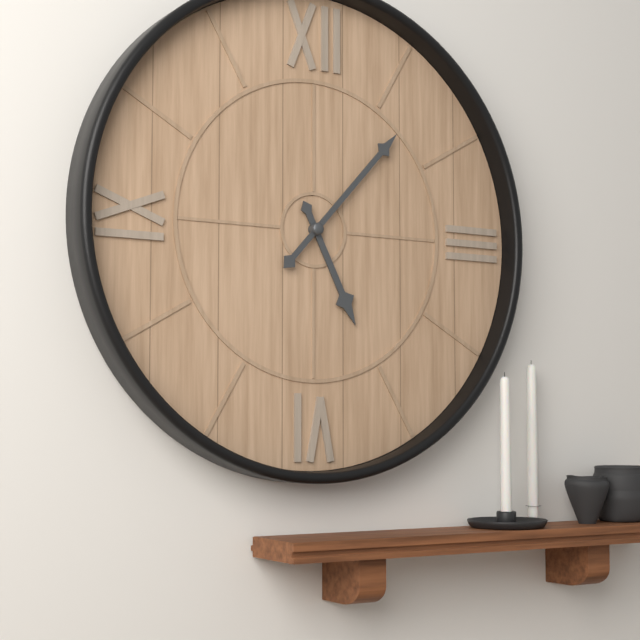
**5:07**
